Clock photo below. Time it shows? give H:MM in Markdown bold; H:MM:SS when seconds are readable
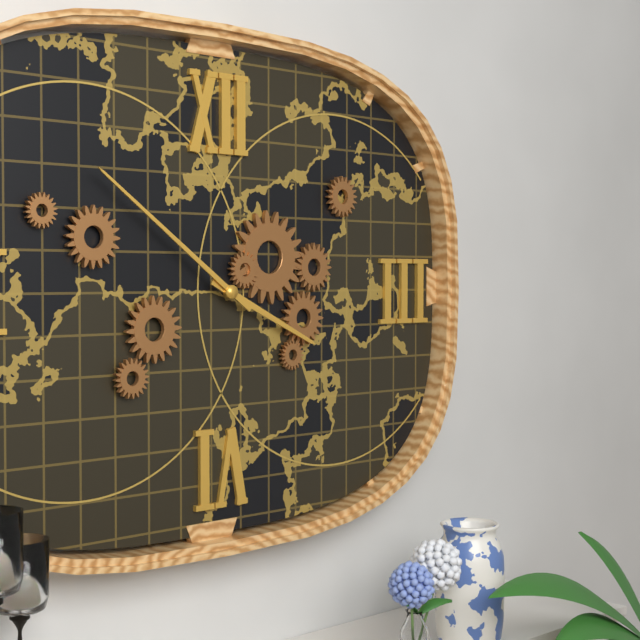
**3:51**
